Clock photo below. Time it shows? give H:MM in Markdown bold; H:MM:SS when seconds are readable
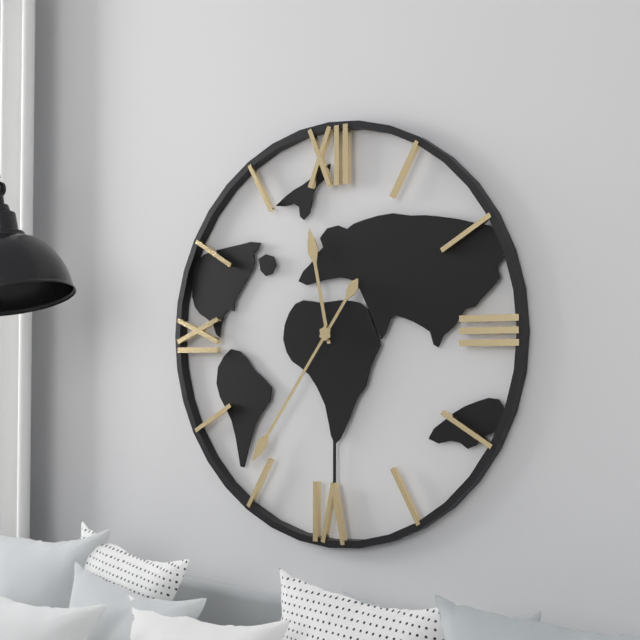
**11:36**
